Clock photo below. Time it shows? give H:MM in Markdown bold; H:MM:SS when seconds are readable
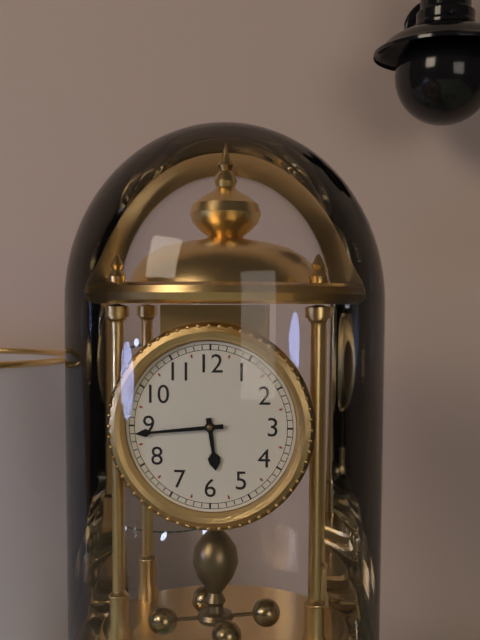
**5:44**
